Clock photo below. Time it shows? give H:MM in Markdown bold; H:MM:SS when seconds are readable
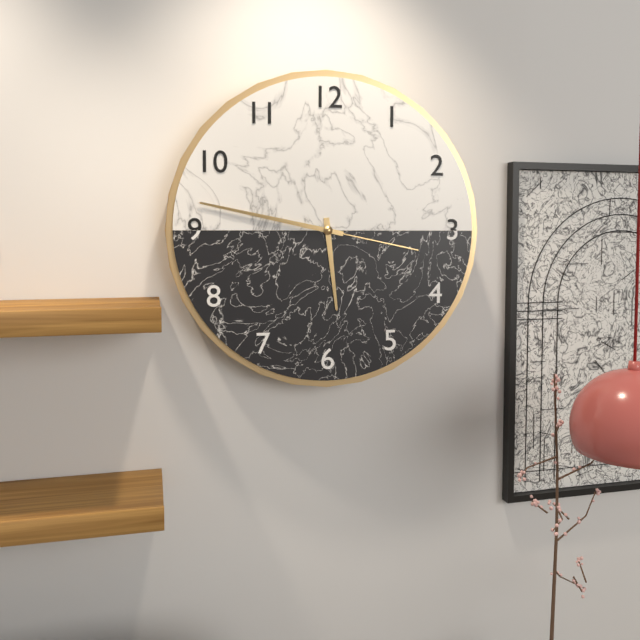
**5:47:47**
